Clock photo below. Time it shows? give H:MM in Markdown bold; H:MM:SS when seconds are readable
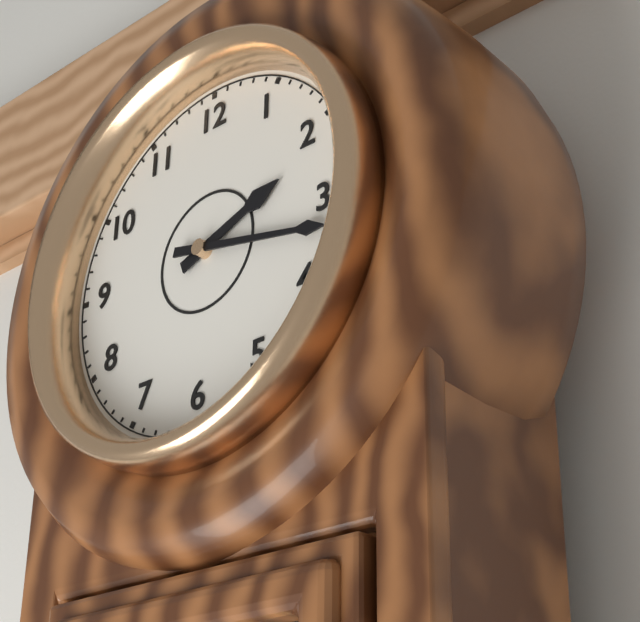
**2:17**
